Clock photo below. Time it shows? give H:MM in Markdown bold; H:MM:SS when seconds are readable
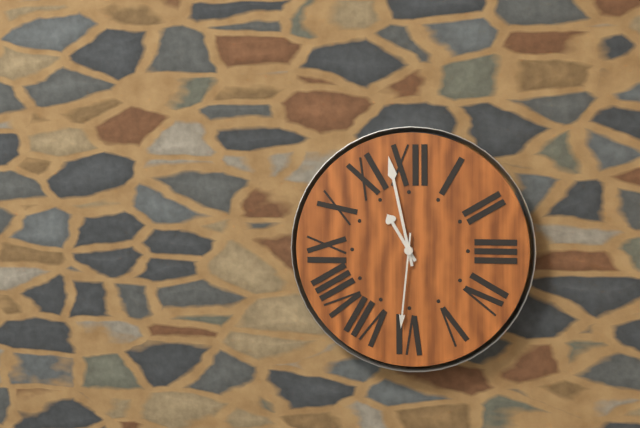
**10:58:31**
